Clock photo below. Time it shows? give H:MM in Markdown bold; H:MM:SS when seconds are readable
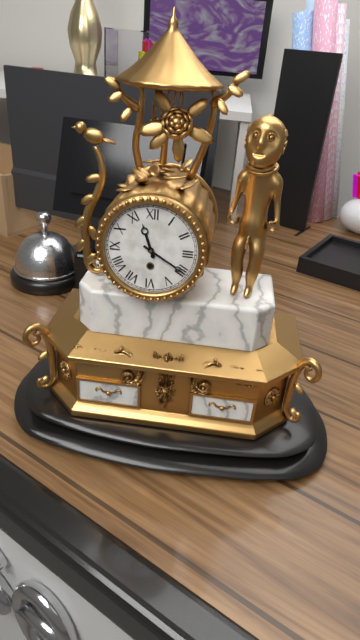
**11:20**
